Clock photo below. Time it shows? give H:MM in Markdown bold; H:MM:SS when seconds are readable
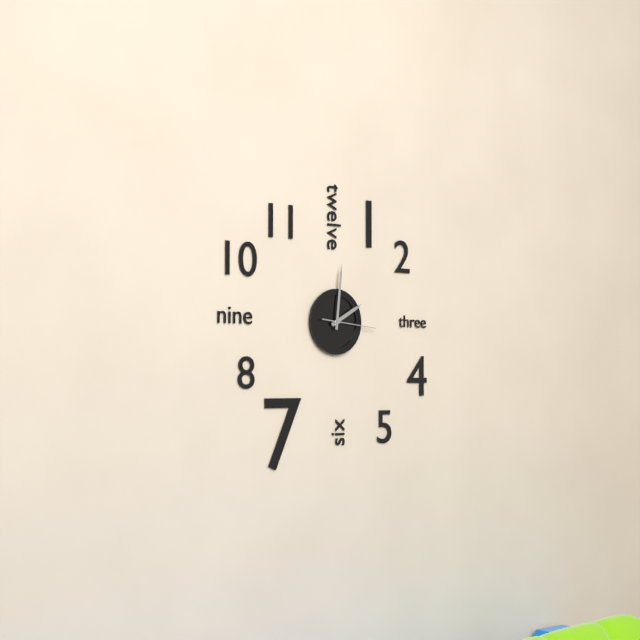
**2:01:16**
